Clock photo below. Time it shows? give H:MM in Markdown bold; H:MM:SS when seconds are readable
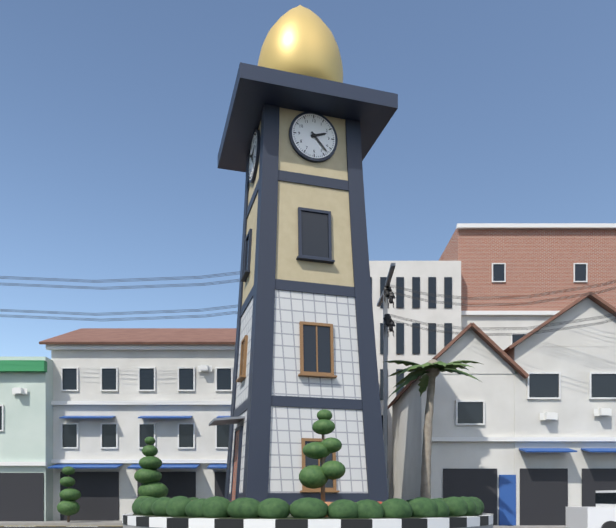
**2:23**
